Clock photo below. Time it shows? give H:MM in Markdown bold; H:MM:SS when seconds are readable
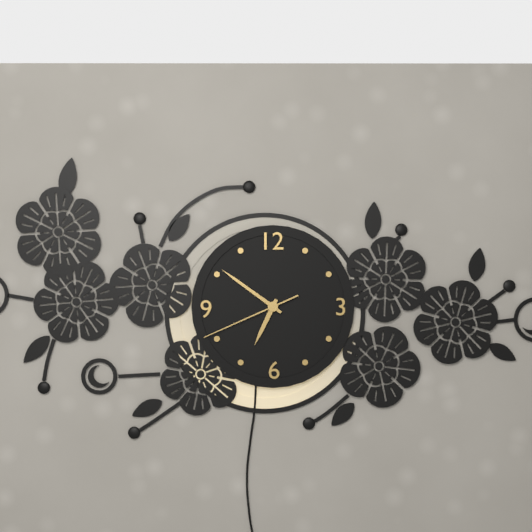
**6:51:41**
